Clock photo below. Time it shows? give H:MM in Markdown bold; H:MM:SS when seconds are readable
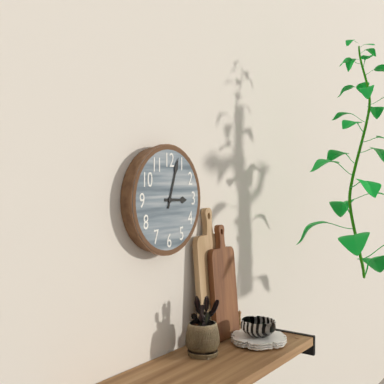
**3:03**
